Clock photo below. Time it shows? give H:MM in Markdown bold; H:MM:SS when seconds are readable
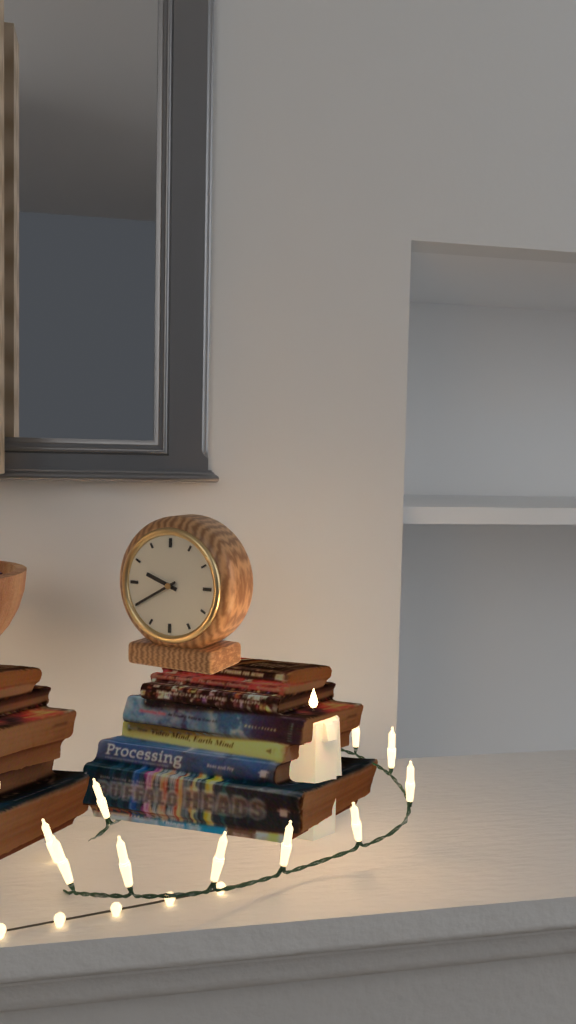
**9:40**
